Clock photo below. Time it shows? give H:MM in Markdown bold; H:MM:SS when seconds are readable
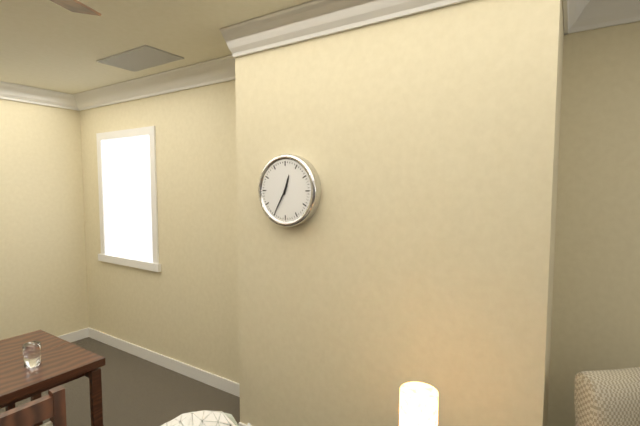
**12:35**
